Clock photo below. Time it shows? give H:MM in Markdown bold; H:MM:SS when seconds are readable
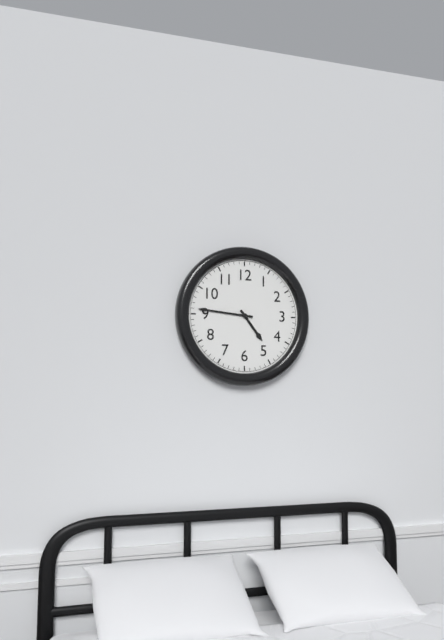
**4:46**
